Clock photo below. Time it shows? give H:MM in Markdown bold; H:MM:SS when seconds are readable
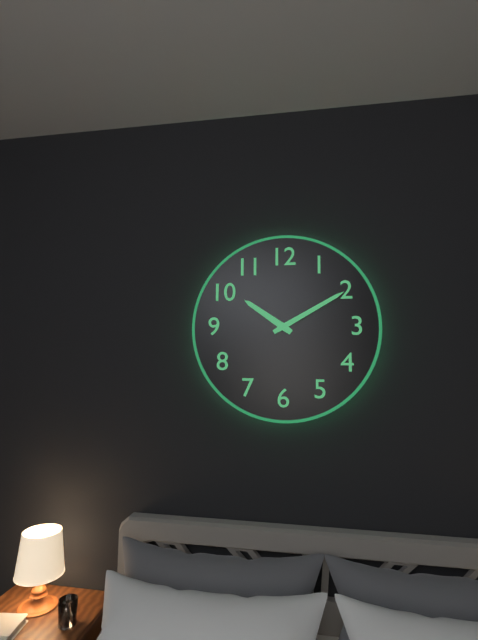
**10:10**
